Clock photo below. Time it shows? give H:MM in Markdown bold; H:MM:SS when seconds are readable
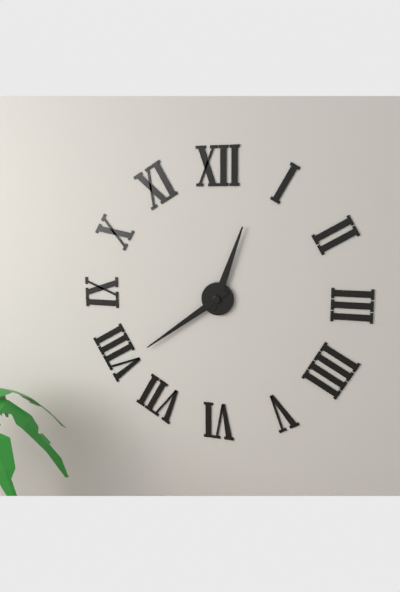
**12:39**
